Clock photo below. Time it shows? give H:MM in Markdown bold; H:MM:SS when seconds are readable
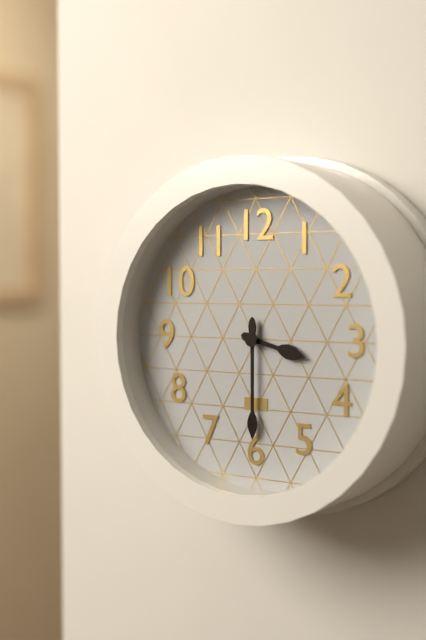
**3:30**
